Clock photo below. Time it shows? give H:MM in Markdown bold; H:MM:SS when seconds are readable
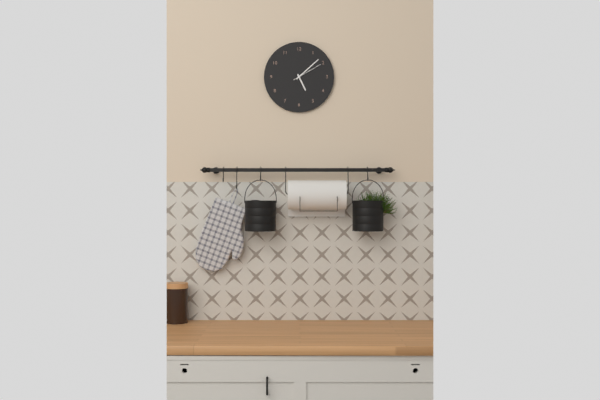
**5:08**
